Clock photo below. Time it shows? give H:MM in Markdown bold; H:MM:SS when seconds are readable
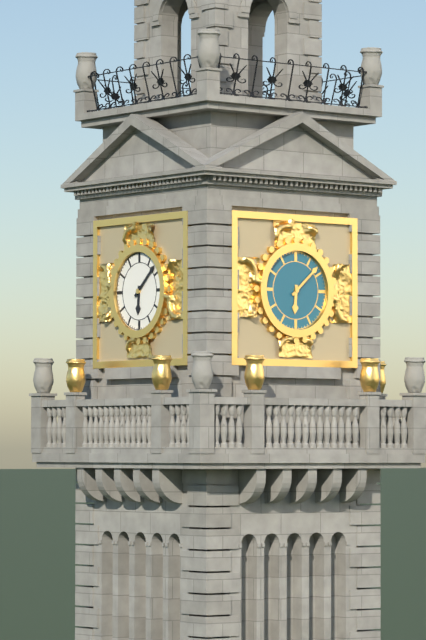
**6:08**
